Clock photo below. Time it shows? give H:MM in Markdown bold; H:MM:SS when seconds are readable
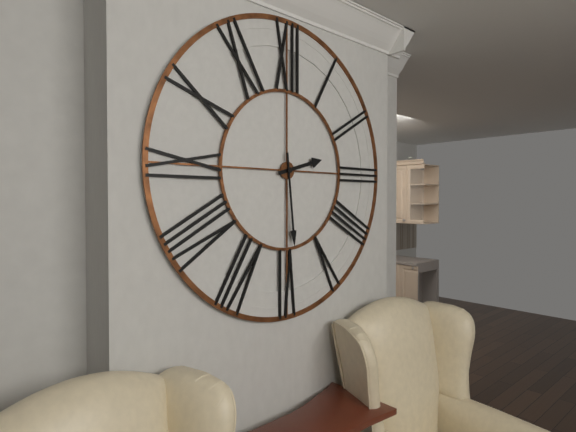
**2:29**
